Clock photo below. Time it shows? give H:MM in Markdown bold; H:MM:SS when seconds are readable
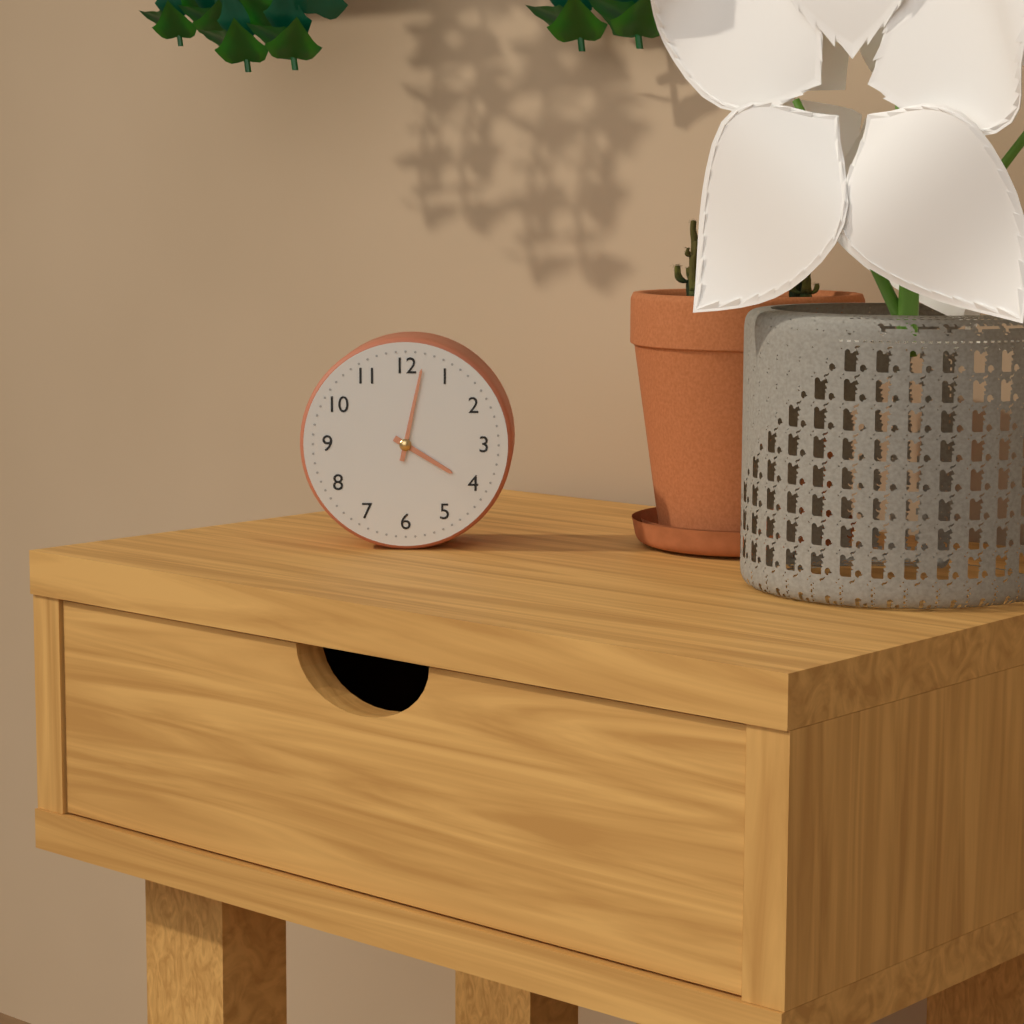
**4:02**
